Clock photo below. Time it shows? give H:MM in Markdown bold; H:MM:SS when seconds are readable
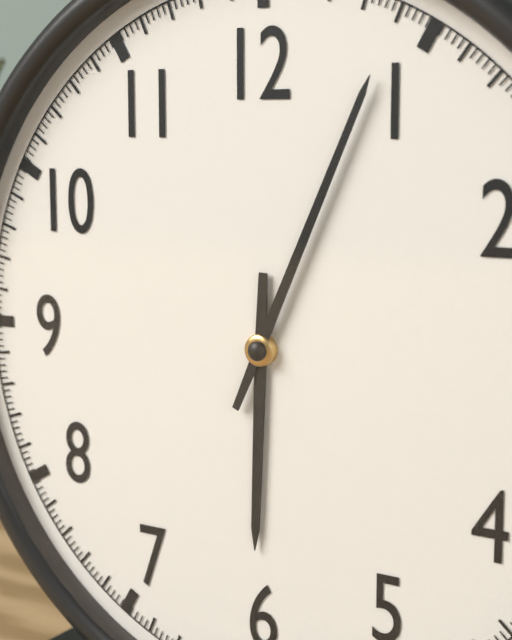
**6:04**
